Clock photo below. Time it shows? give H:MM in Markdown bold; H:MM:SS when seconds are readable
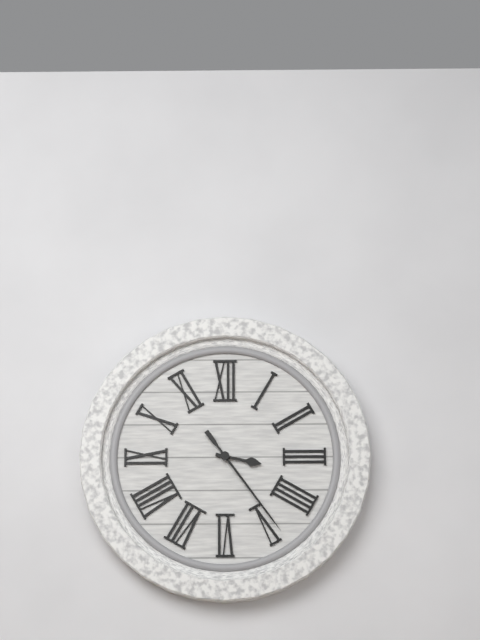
**3:24**
